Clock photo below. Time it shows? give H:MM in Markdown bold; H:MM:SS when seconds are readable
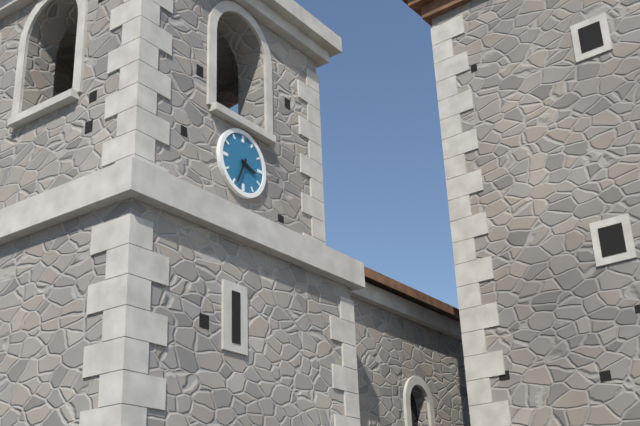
**3:34**
